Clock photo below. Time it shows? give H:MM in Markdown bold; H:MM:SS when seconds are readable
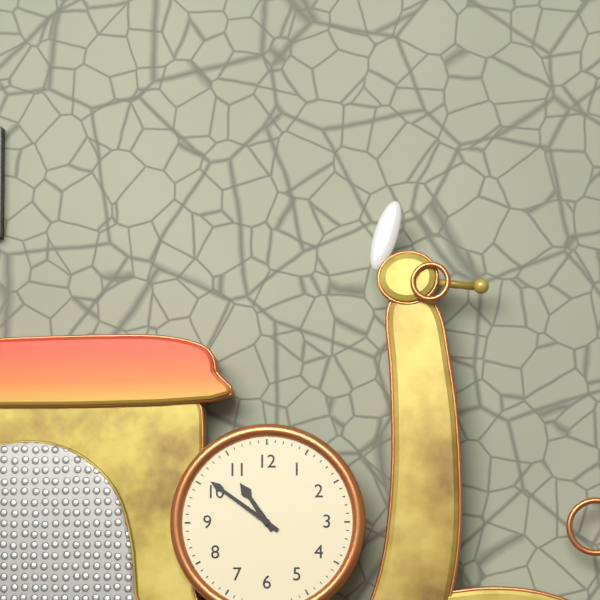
**10:51**
